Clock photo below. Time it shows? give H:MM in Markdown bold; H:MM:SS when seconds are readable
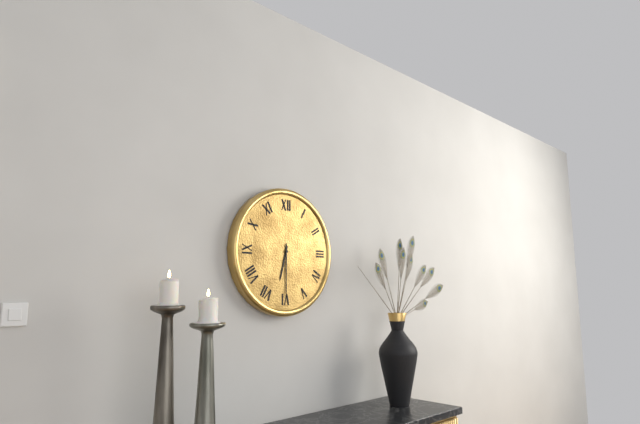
**6:30**
